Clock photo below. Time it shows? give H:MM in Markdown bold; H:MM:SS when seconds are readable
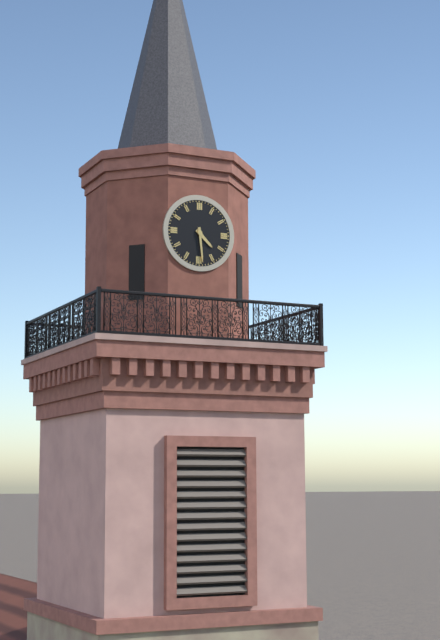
**4:29**
